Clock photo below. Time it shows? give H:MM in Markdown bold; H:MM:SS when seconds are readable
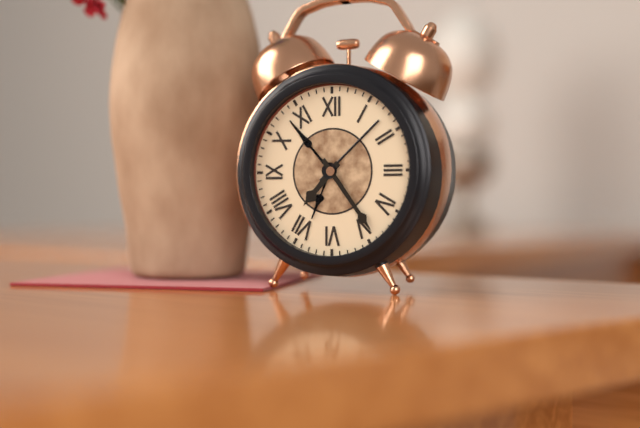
**7:24**
